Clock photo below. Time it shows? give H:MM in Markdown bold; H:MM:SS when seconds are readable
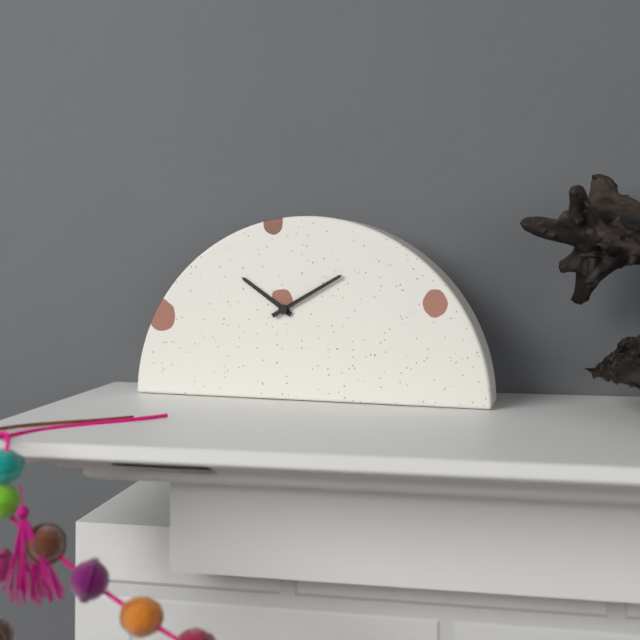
**10:10**
